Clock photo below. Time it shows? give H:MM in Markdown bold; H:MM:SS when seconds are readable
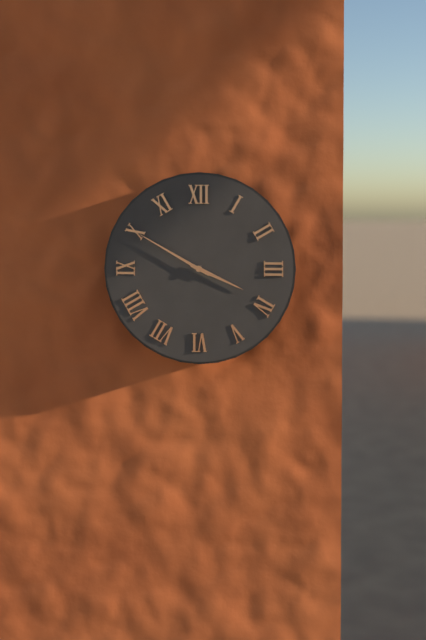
**3:50**
